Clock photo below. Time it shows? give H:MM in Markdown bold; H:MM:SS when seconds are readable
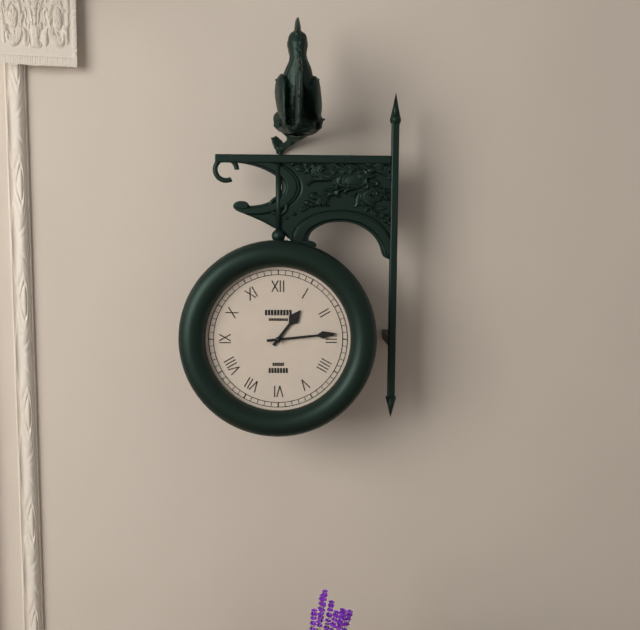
**1:14**
